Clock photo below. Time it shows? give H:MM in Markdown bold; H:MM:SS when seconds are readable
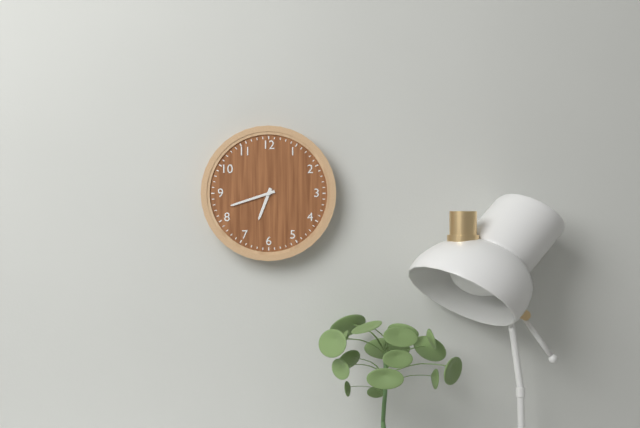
**6:42**
